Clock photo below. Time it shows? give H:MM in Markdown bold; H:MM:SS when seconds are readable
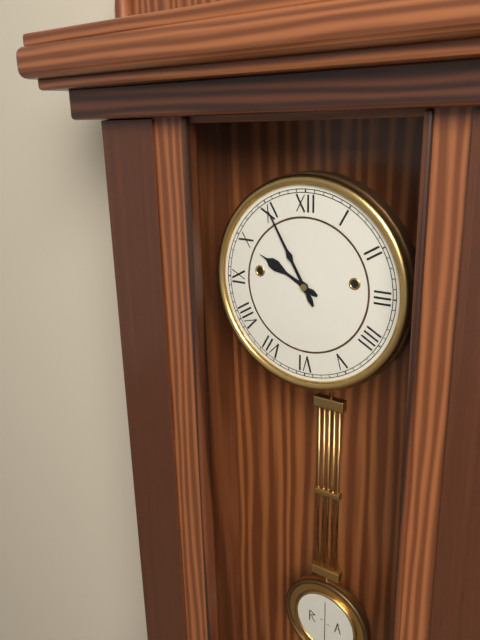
**9:55**
